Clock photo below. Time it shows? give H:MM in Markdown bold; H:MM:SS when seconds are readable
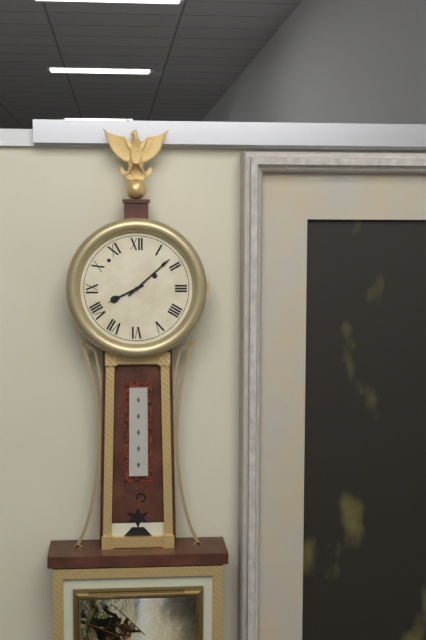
**8:08**
